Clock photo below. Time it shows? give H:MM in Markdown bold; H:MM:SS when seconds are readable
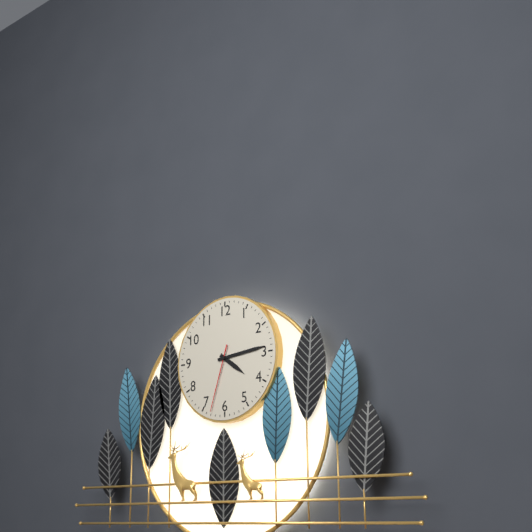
**4:14:33**
